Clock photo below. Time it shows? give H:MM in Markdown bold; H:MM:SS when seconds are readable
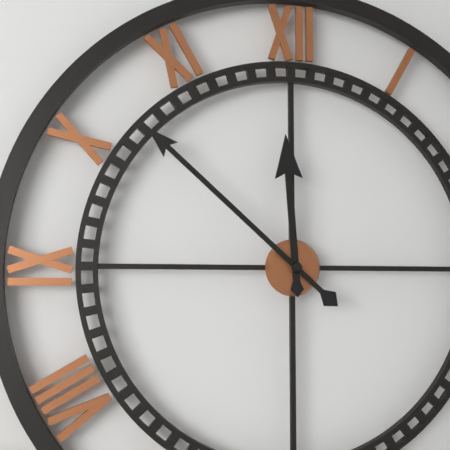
**11:52**
